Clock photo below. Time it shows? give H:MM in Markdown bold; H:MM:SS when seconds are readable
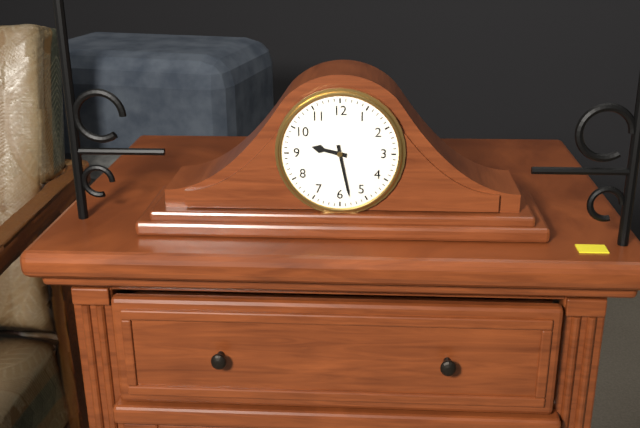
**9:28**
